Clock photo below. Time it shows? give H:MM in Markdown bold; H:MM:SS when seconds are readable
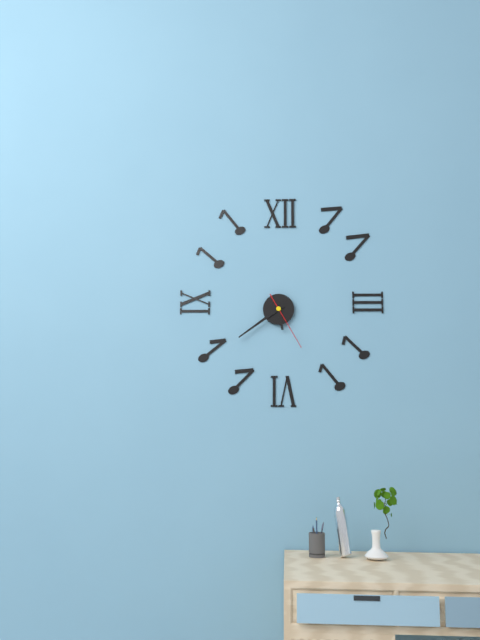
**5:39:25**
